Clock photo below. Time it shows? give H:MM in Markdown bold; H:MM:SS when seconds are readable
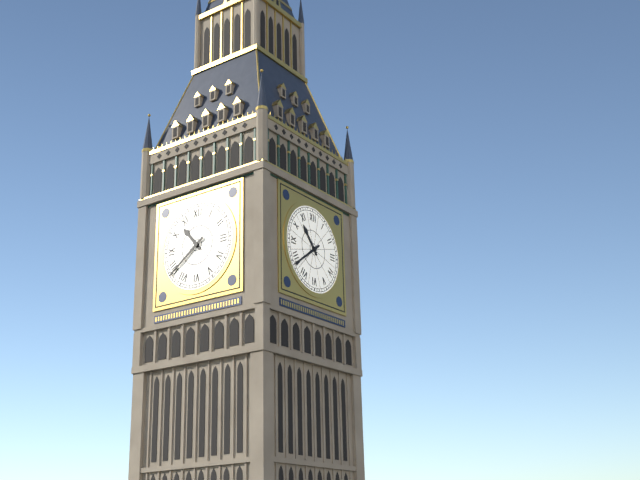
**10:39**
